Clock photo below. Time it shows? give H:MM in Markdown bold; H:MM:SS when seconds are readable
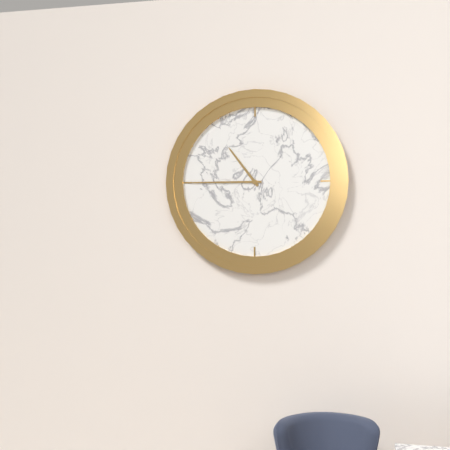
**10:45**
